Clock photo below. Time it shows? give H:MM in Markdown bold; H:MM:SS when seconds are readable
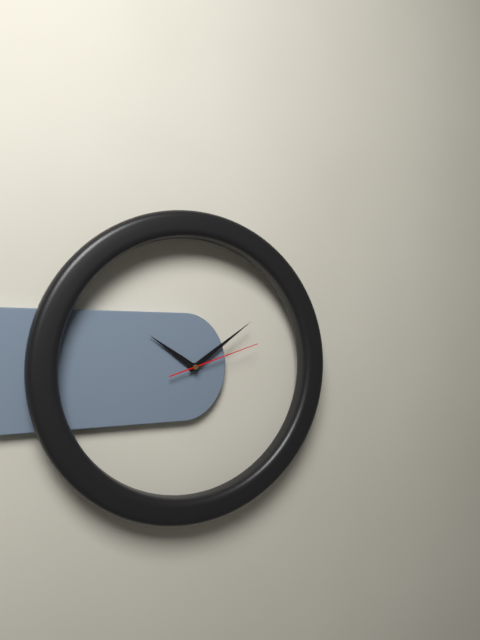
**10:09:12**
